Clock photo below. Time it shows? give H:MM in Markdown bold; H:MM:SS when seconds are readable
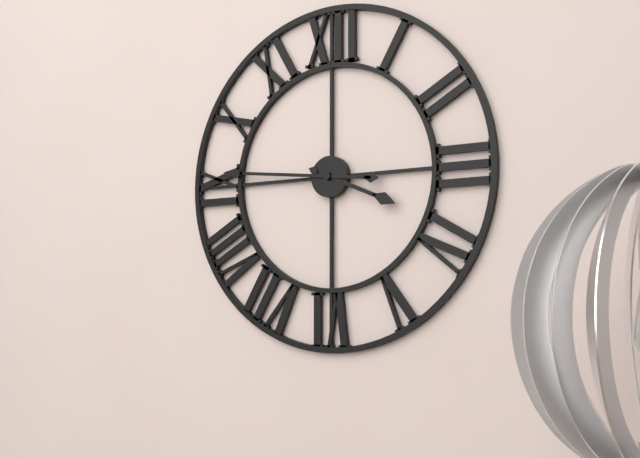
**3:46**
